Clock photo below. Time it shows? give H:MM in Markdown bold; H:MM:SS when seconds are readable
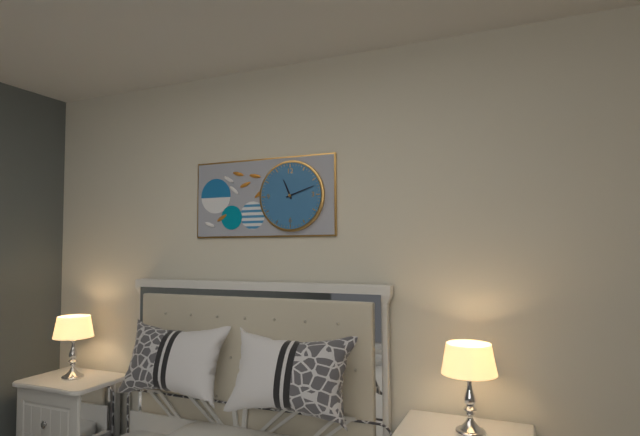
**11:12**
